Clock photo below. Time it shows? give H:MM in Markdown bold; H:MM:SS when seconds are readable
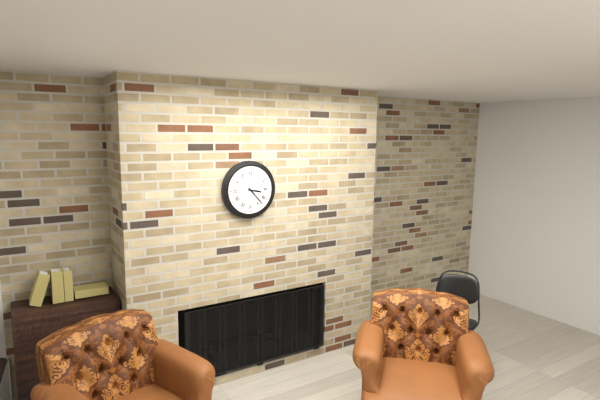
**3:23**
